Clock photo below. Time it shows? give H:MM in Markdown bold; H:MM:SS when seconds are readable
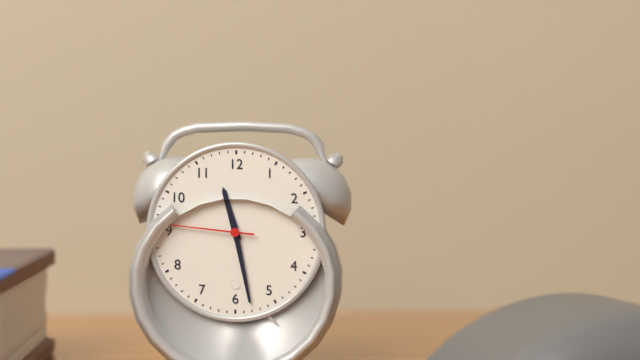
**11:28:46**
